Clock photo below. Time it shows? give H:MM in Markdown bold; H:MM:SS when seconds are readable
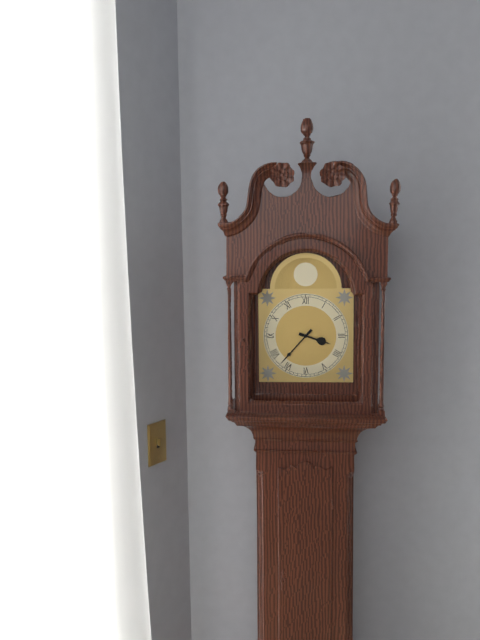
**3:37**
